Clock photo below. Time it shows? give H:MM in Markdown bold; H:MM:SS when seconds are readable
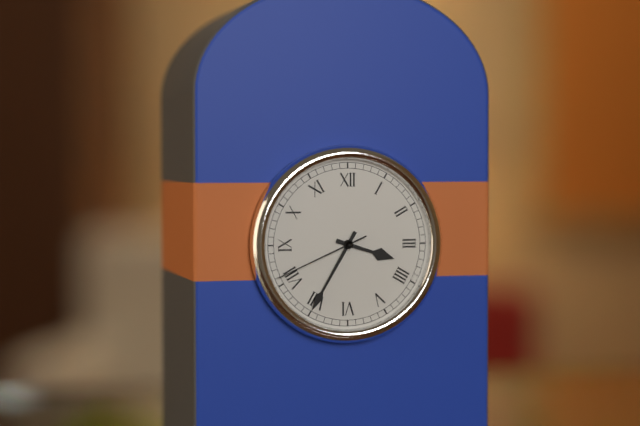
**3:35:41**
